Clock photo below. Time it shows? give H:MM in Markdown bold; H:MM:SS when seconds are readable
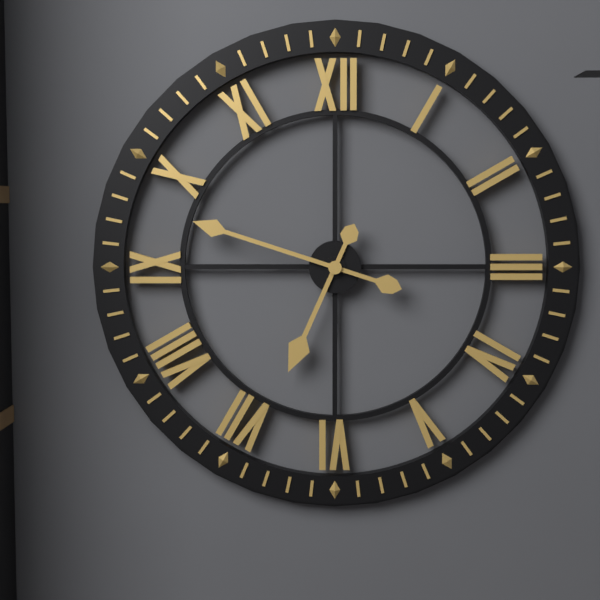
**6:48**
